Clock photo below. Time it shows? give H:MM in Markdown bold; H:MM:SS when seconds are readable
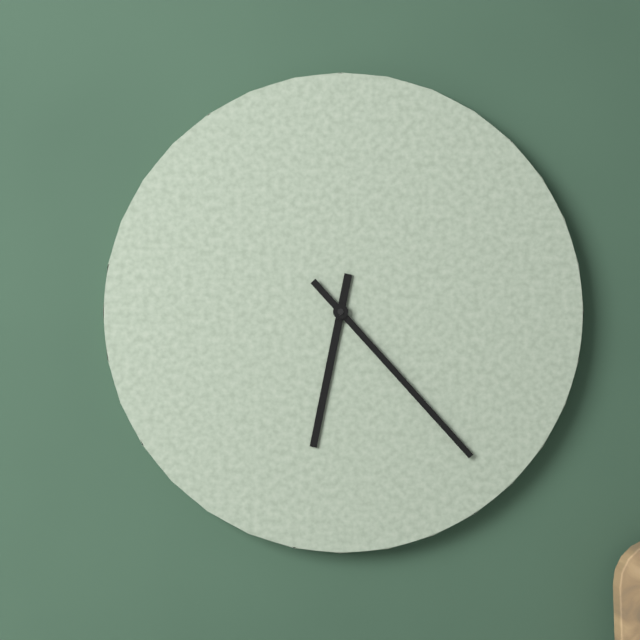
**6:23**
